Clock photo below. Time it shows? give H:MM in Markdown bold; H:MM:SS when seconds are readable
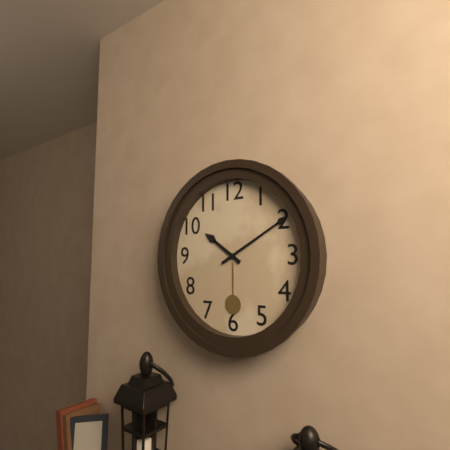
**10:10**
